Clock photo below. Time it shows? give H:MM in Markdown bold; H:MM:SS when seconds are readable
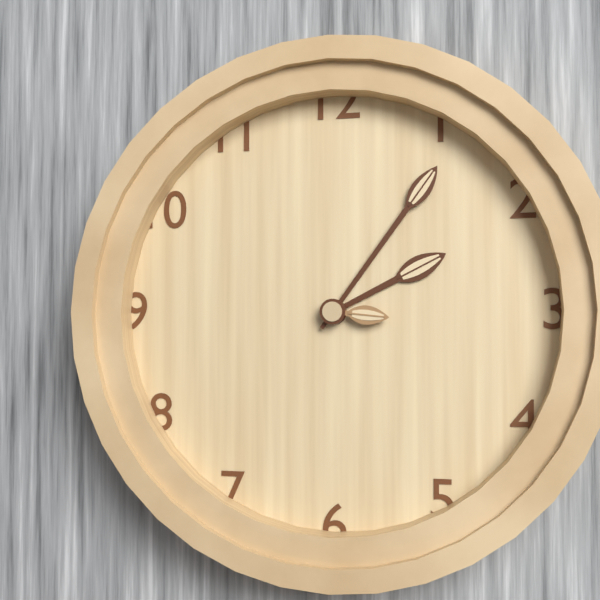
**2:06:16**
